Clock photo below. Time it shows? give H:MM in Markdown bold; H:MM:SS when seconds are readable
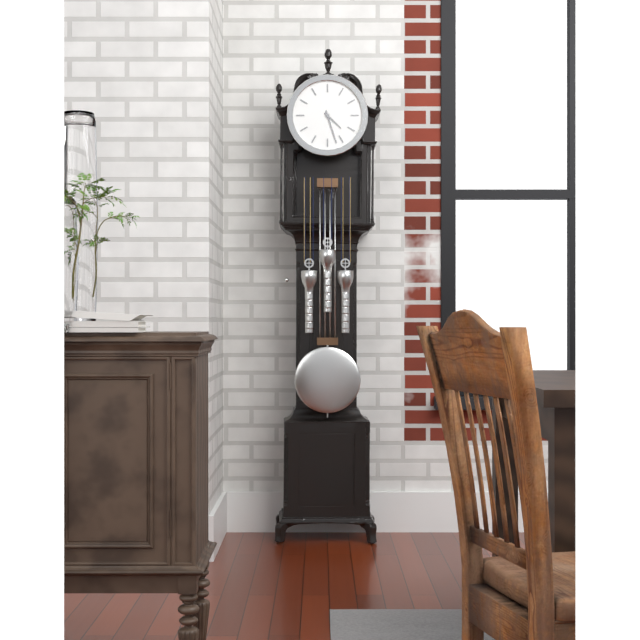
**4:27**
